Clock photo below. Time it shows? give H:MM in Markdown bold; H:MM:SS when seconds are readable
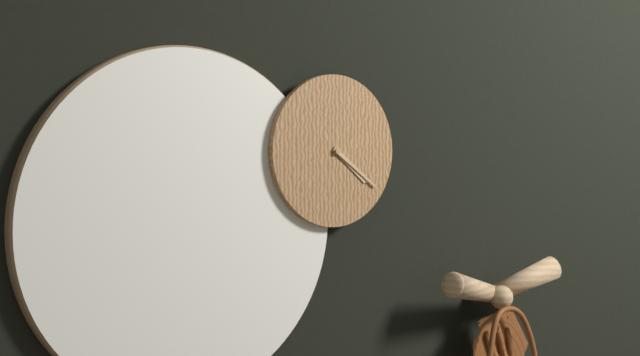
**4:21**
